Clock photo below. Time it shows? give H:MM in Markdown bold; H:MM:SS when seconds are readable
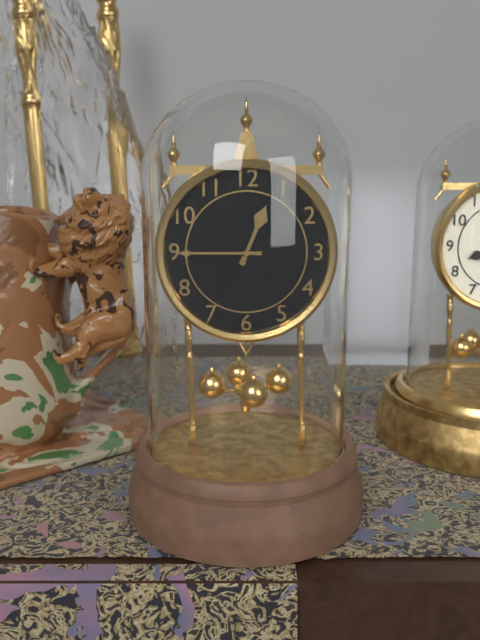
**12:45**
